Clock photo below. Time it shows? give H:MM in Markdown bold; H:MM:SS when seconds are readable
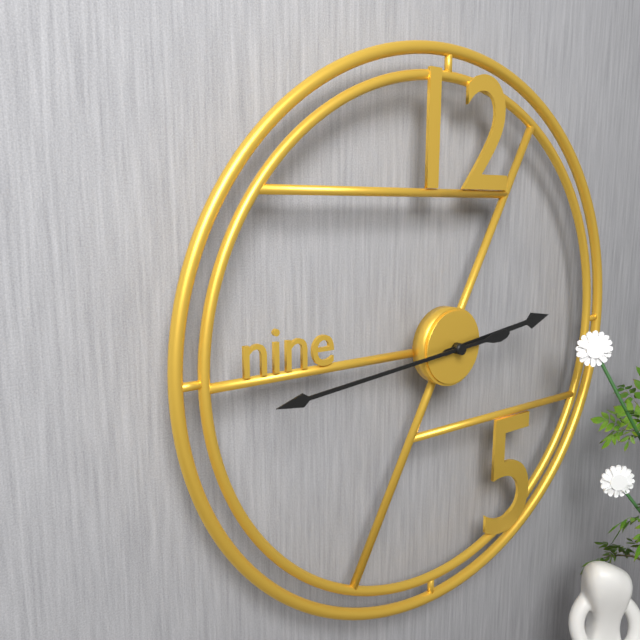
**2:44**
